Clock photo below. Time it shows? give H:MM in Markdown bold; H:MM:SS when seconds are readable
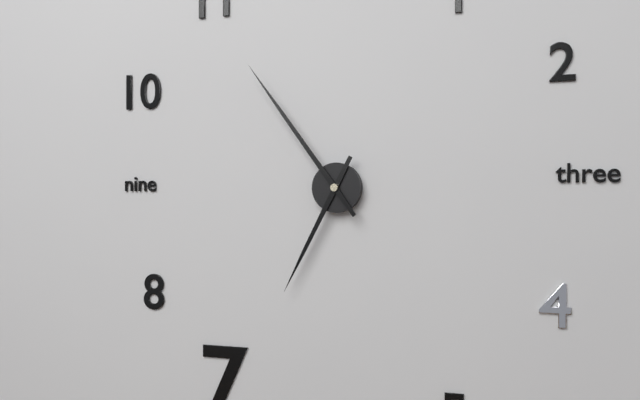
**6:54**
